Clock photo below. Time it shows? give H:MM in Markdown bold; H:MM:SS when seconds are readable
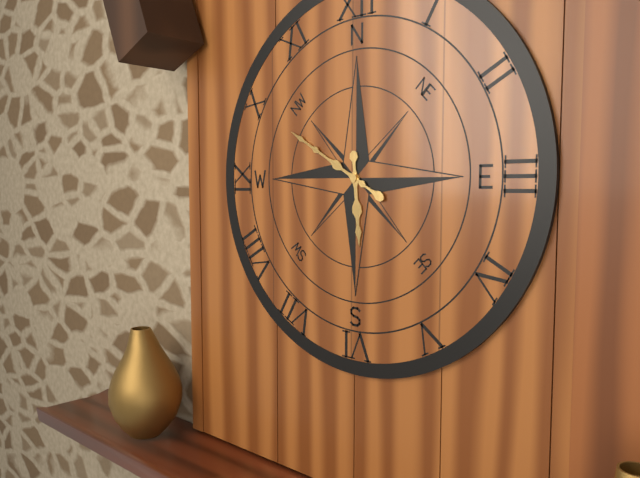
**5:50**
